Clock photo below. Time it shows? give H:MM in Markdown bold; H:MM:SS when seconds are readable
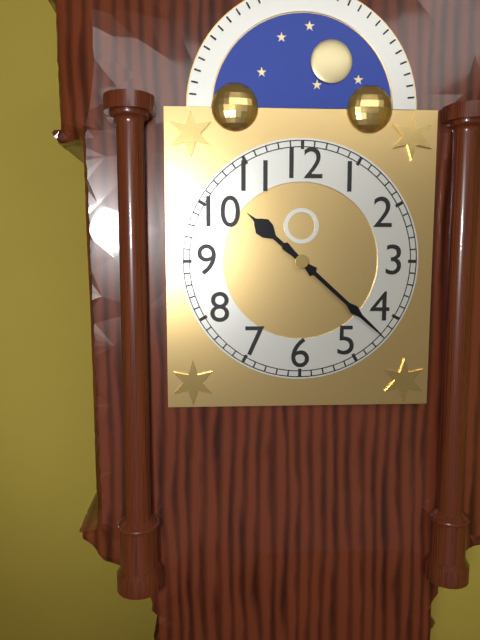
**10:22**
